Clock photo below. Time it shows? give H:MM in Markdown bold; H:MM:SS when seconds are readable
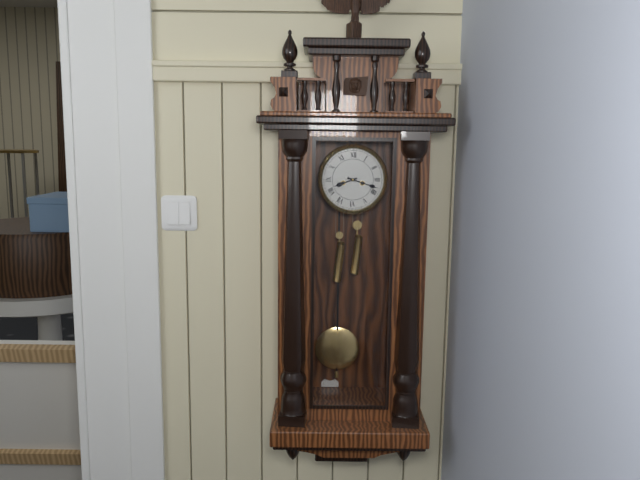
**8:18**
